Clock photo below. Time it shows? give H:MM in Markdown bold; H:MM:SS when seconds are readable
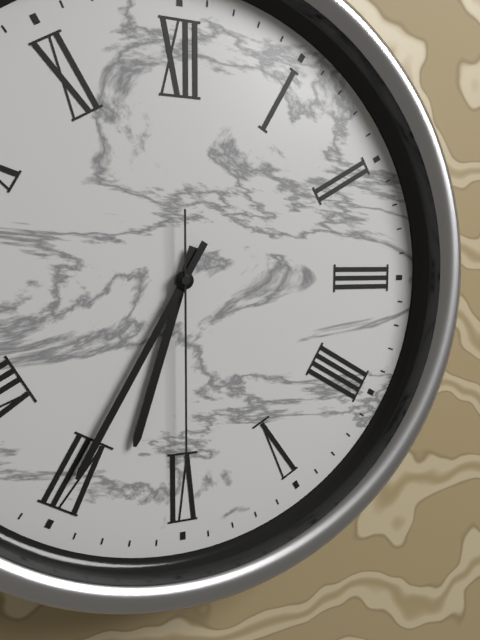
**6:35:30**
